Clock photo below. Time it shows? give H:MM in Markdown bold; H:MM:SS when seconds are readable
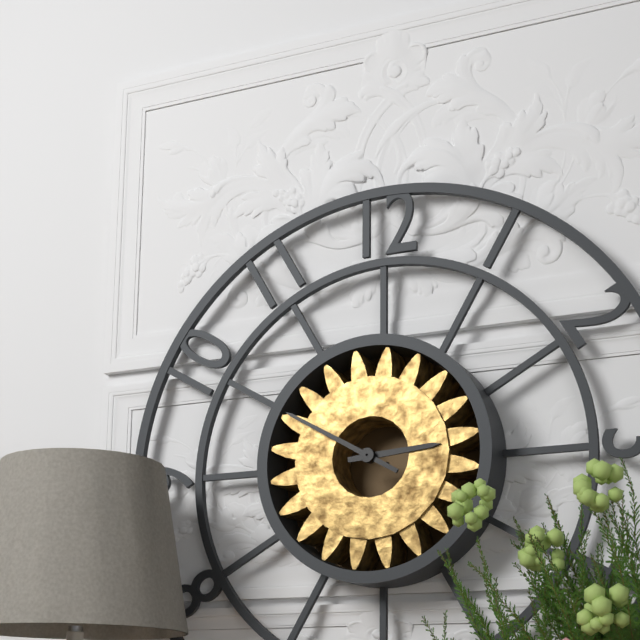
**2:50**
